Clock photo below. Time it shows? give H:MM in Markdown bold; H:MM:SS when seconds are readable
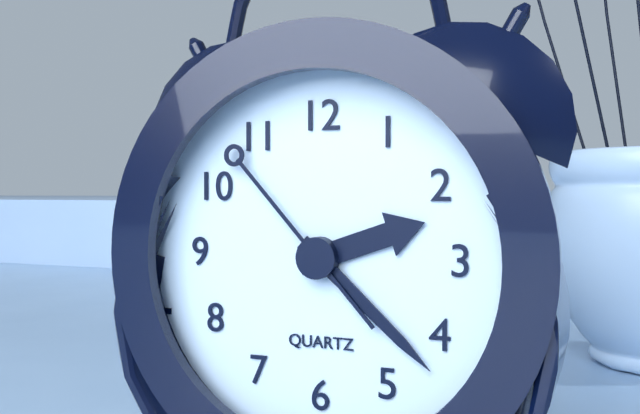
**2:22:53**
